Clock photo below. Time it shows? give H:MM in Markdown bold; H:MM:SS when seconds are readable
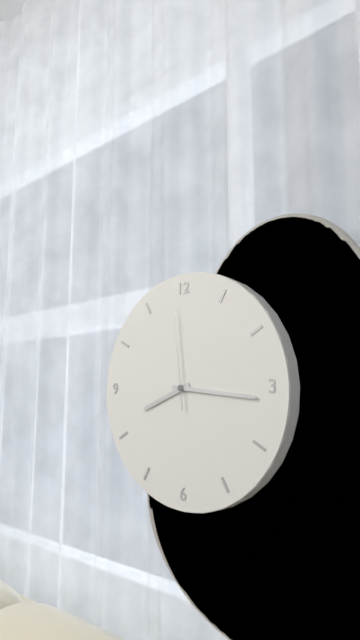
**8:16:59**
